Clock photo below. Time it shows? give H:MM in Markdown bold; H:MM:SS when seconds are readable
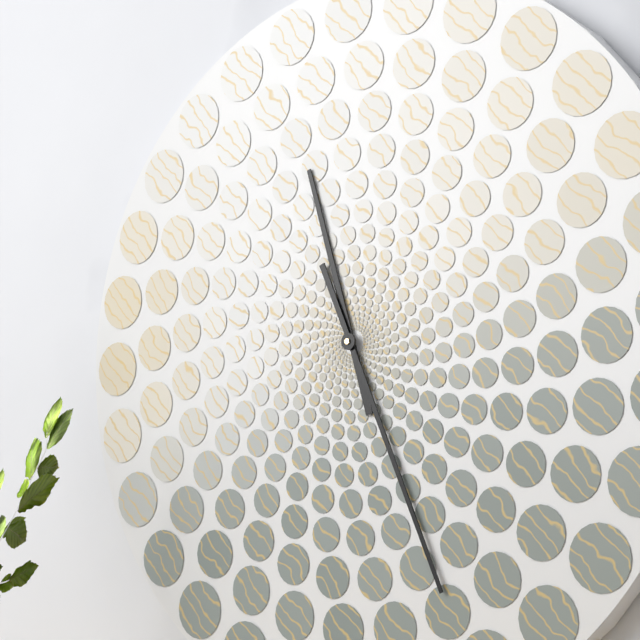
**11:26**
